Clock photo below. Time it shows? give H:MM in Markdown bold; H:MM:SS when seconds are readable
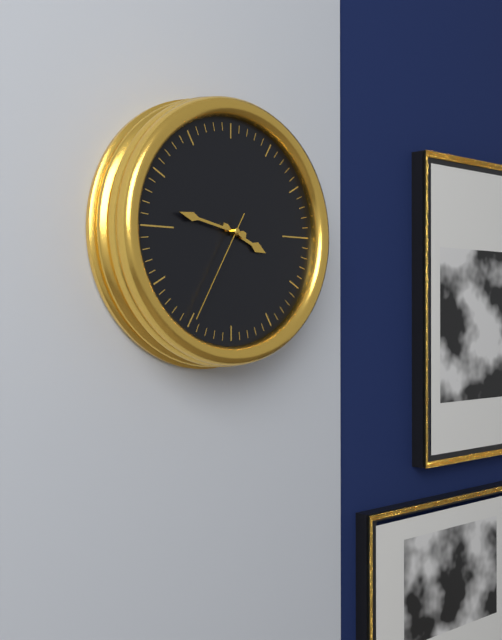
**3:47:35**
